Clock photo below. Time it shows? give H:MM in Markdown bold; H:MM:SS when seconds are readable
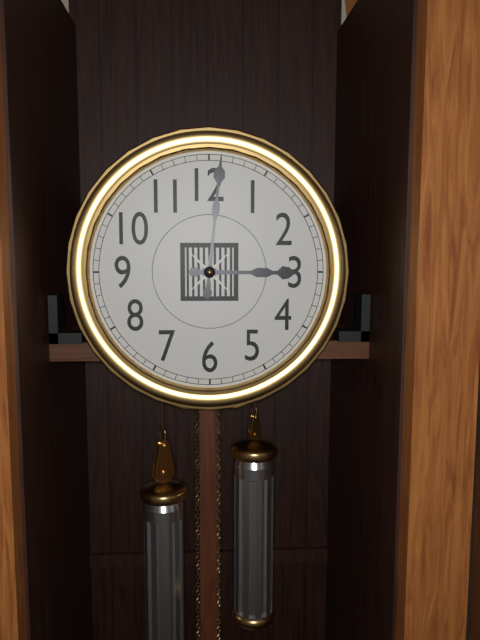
**3:01**
